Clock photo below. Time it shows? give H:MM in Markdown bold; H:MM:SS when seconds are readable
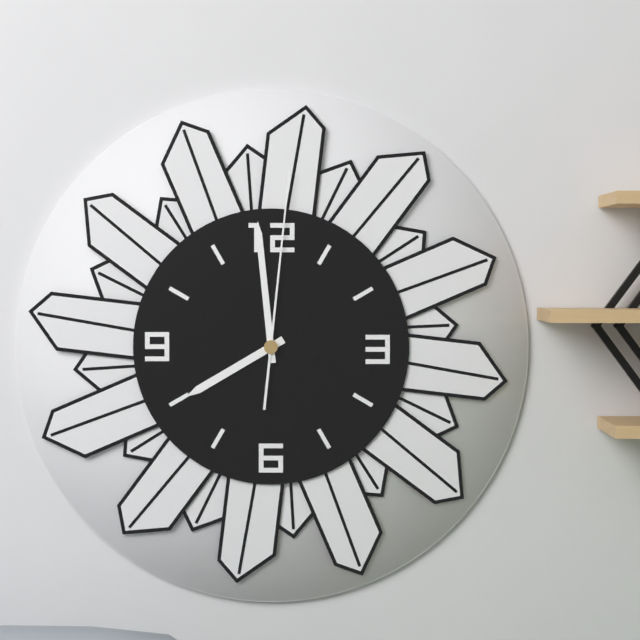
**7:59:01**
